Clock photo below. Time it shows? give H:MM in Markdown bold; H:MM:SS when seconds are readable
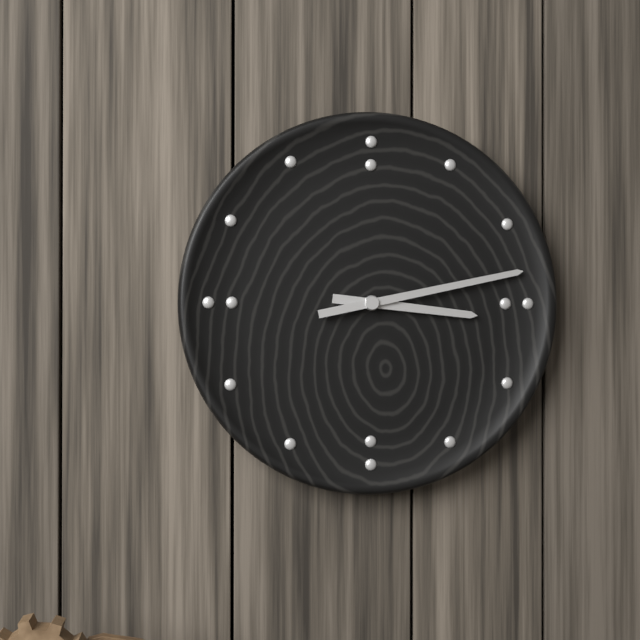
**3:13**
